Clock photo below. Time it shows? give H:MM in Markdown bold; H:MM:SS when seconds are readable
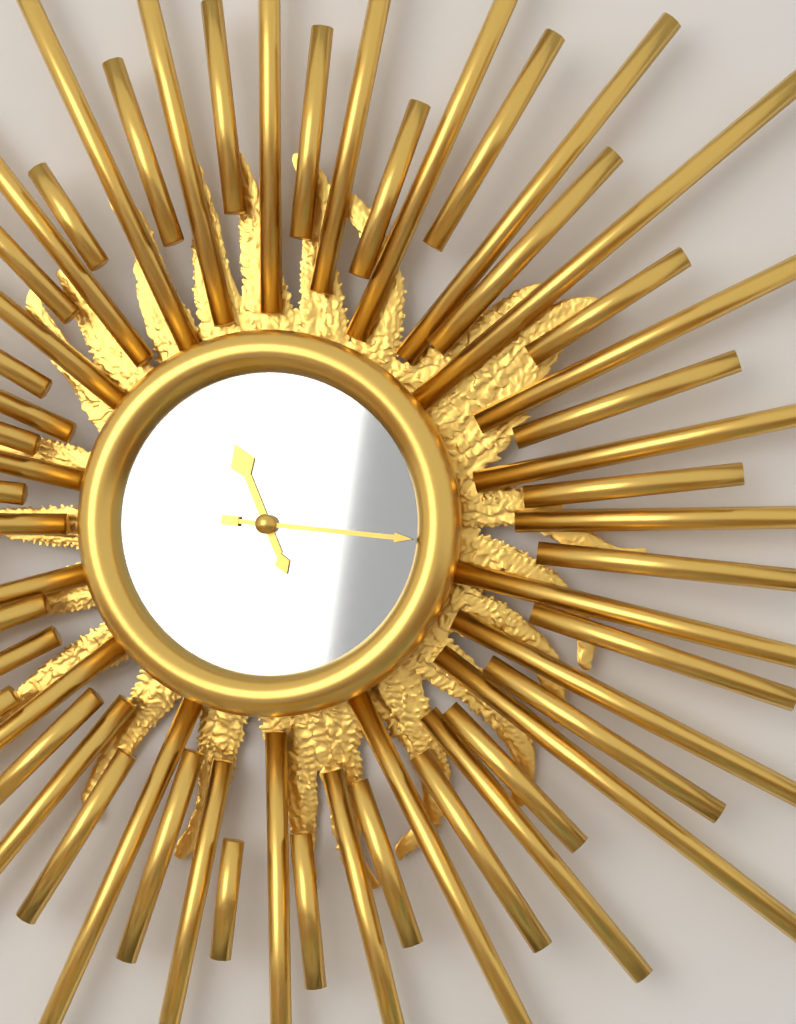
**11:16**
